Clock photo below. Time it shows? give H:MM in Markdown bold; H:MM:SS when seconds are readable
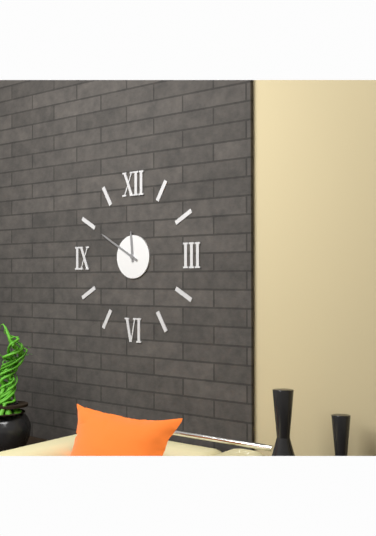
**11:50**
